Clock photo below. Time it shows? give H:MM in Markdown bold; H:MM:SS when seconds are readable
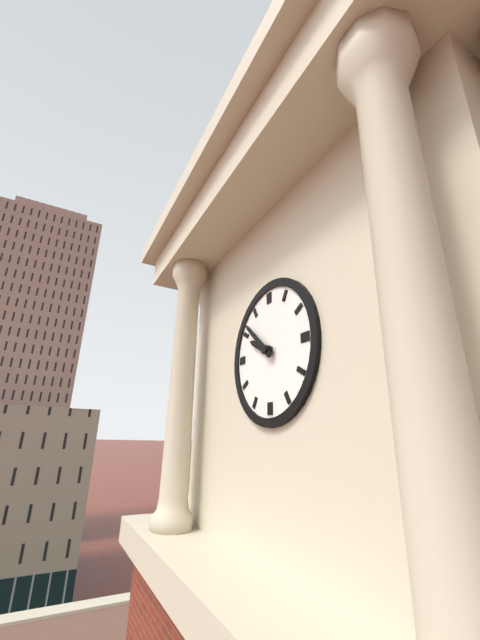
**9:52**
